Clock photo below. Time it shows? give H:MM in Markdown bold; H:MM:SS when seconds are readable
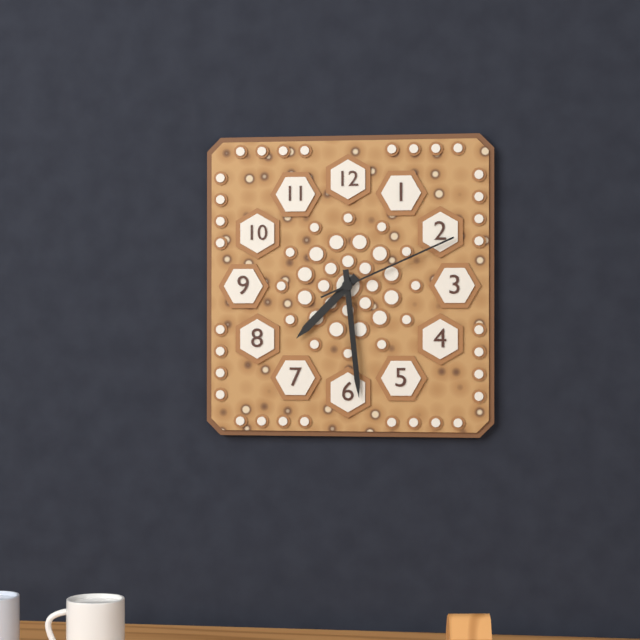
**7:29:11**
